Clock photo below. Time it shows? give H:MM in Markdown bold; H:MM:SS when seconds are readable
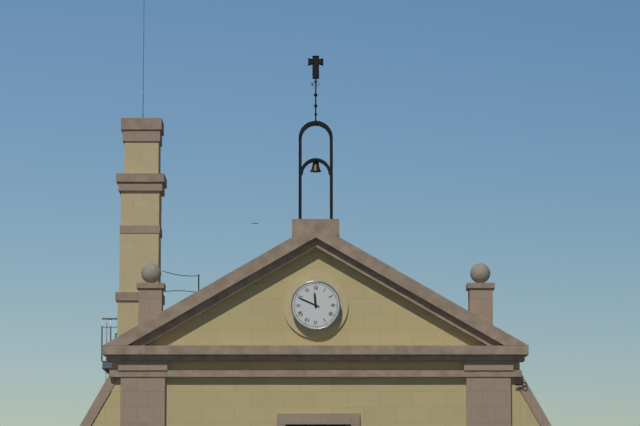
**11:49**
